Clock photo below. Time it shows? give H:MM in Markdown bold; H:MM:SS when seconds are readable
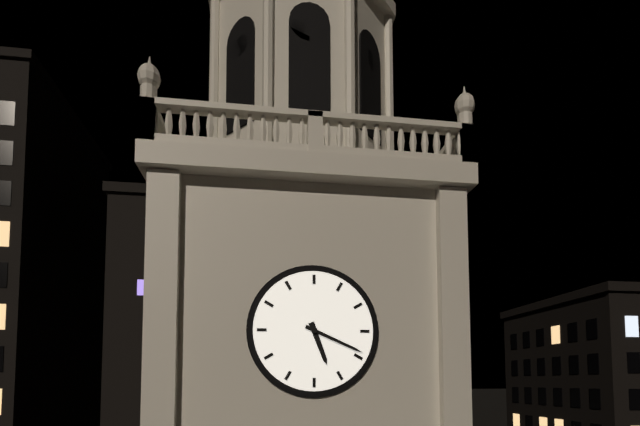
**5:19**
